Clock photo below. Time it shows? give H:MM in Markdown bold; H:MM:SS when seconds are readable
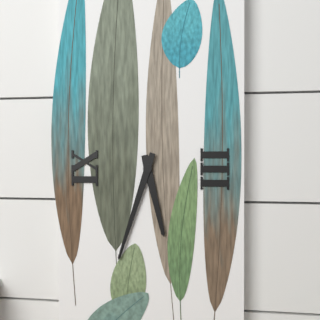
**5:33**
